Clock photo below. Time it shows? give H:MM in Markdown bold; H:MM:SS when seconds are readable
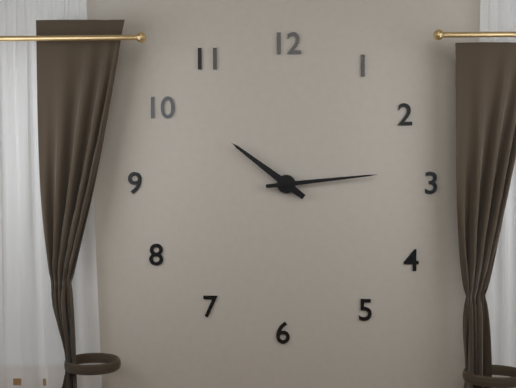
**10:14**
